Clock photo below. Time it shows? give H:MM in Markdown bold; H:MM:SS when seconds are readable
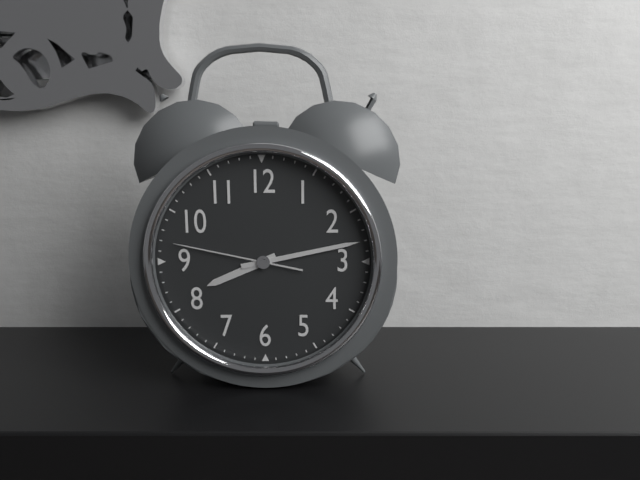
**8:13:47**
